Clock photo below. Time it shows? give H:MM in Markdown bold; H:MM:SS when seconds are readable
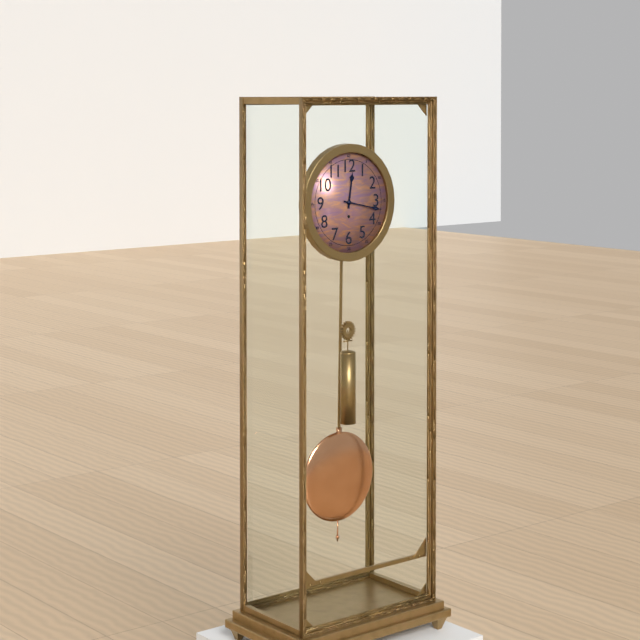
**12:17**
